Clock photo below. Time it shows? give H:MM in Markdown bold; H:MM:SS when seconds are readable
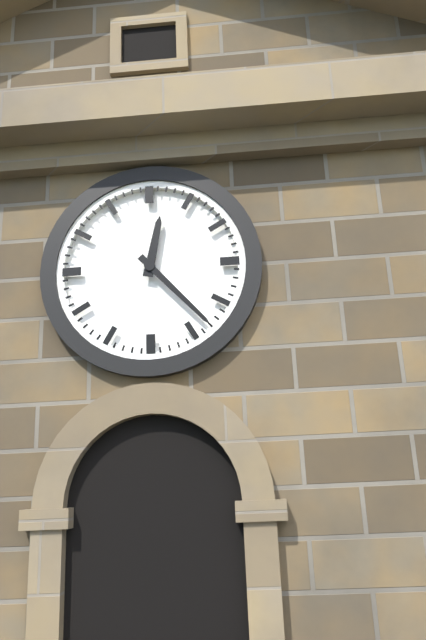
**12:23**
